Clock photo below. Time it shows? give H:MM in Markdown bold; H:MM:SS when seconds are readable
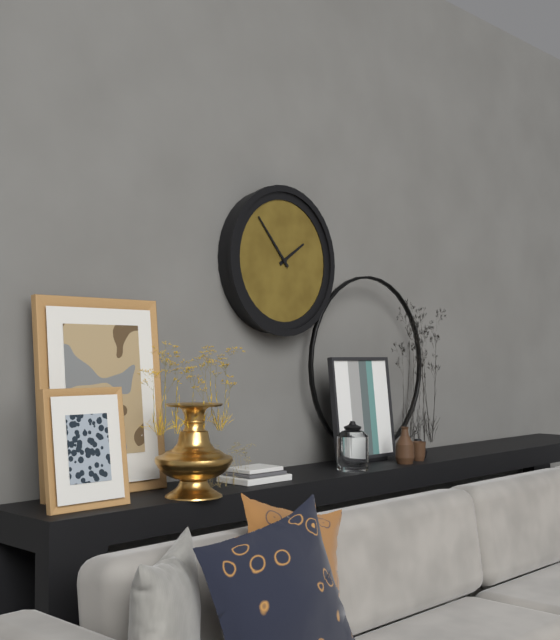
**1:53**
